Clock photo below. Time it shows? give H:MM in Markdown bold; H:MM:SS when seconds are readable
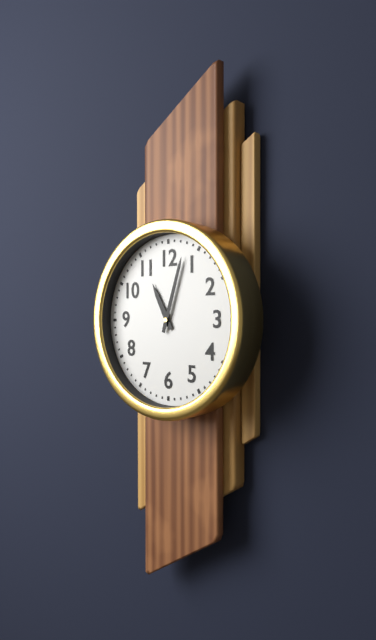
**11:03**
